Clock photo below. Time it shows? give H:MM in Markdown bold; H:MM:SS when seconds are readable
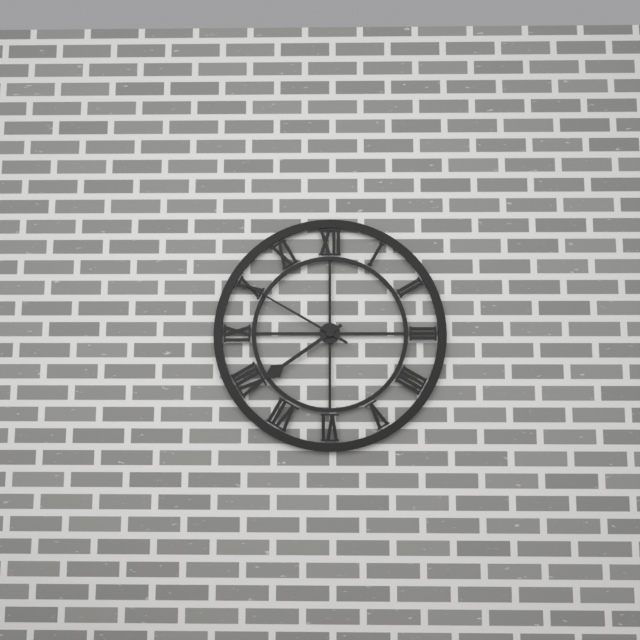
**7:50**
